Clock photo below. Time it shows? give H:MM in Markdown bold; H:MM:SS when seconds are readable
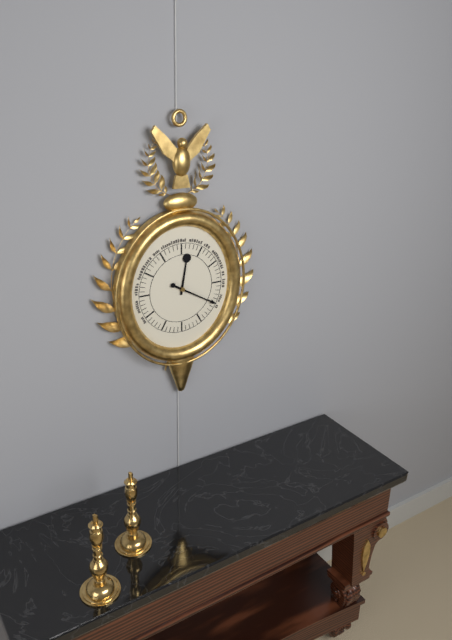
**12:20**
